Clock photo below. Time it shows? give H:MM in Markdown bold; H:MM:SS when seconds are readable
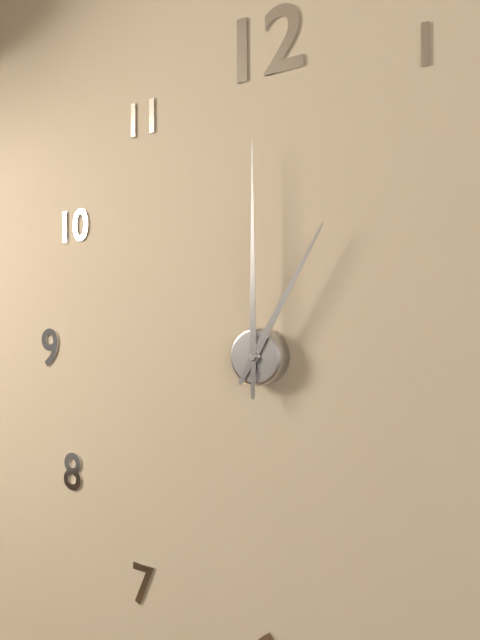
**1:00**
